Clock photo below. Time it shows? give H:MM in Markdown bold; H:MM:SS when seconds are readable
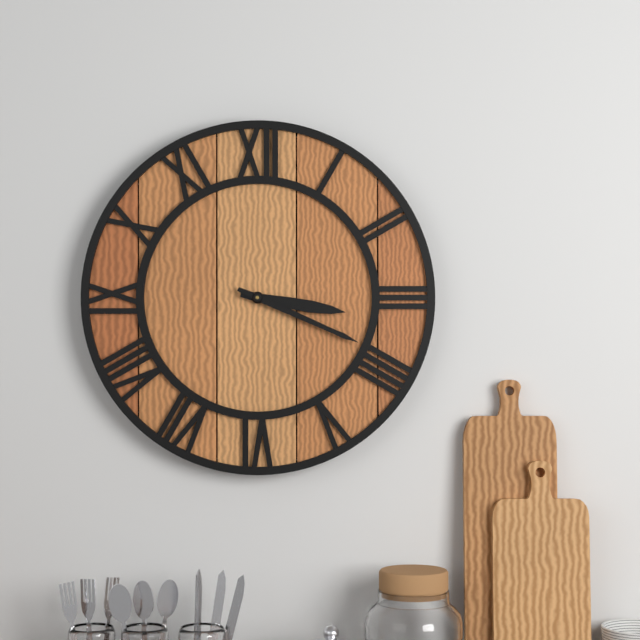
**3:19**
